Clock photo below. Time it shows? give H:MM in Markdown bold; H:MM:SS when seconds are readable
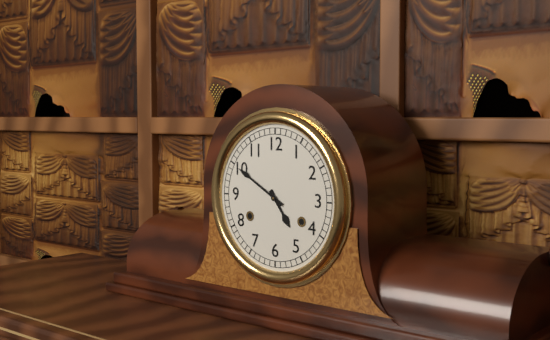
**4:50**
